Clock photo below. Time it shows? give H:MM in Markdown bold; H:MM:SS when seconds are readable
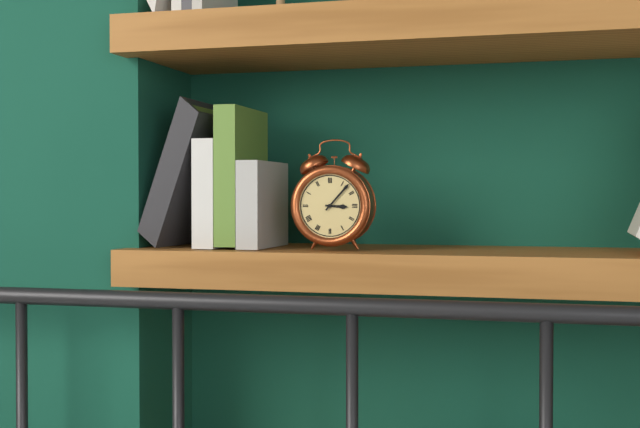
**3:07**
